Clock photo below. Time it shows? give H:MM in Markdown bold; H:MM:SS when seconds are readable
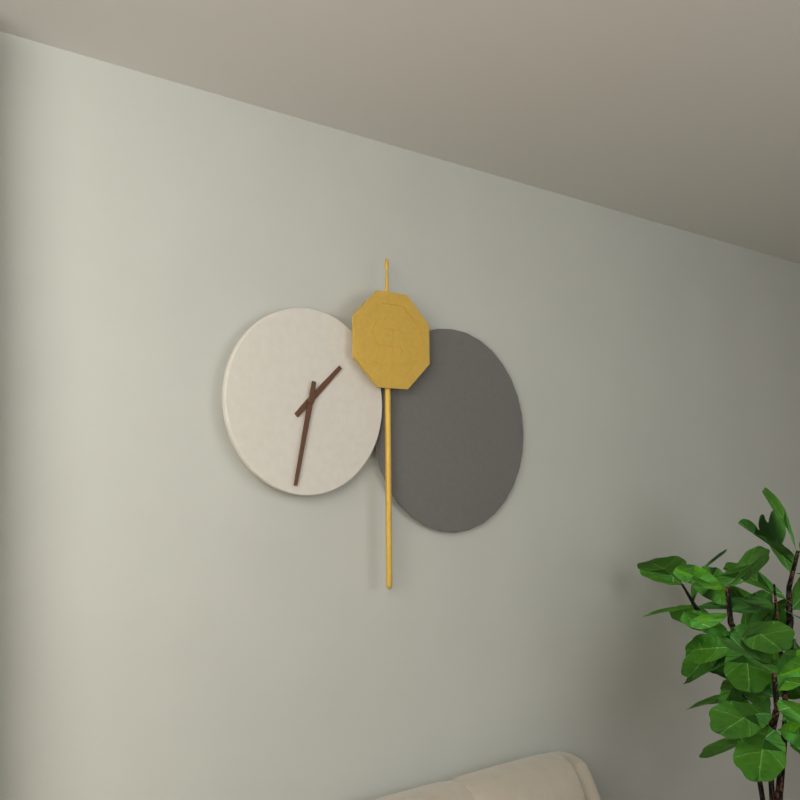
**1:32**
